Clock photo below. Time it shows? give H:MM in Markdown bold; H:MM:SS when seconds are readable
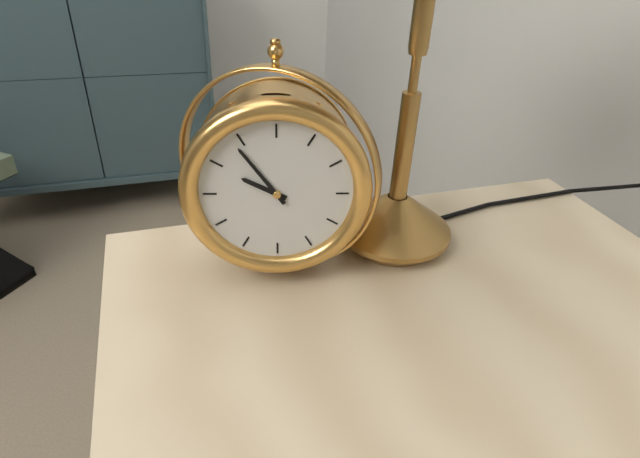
**9:54**
